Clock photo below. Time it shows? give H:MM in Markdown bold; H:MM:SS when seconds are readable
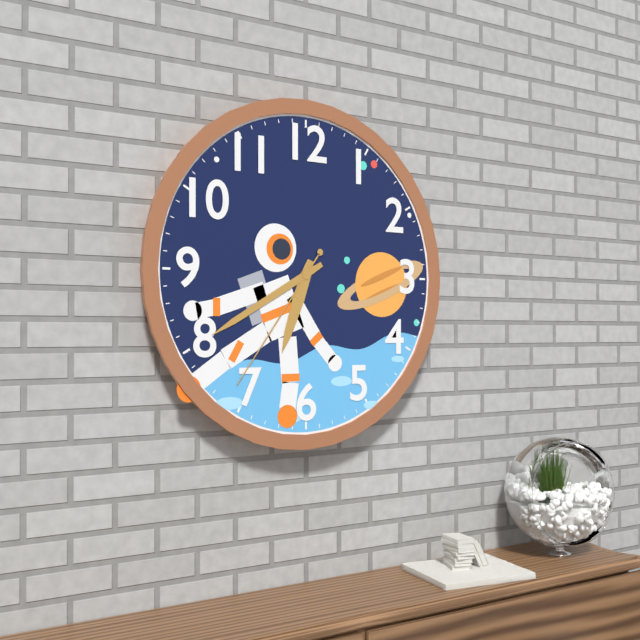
**6:40:36**
